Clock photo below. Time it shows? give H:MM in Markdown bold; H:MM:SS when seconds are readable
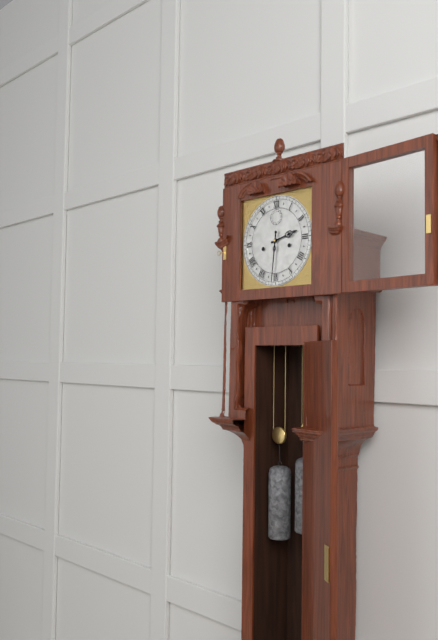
**2:31**
